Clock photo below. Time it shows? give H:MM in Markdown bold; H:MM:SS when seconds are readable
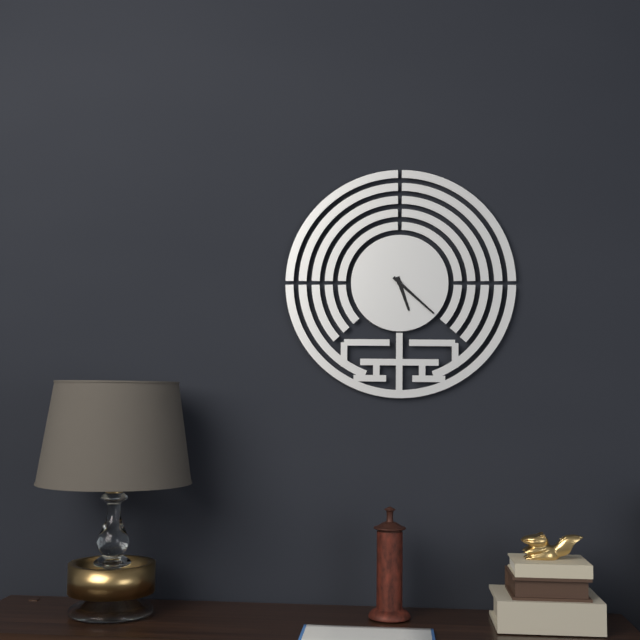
**5:22**
